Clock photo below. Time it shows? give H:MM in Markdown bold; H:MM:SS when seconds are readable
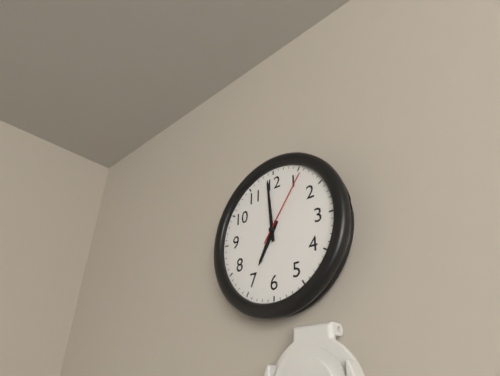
**6:59:06**
